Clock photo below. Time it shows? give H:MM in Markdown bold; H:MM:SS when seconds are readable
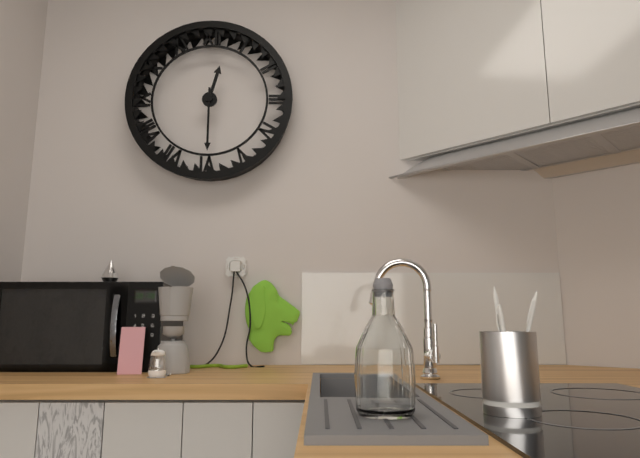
**12:30**
